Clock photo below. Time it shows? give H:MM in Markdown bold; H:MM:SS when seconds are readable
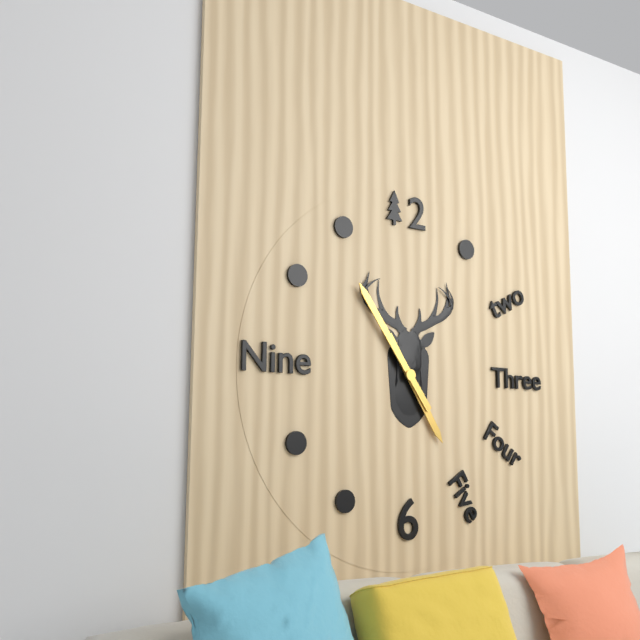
**4:54**
